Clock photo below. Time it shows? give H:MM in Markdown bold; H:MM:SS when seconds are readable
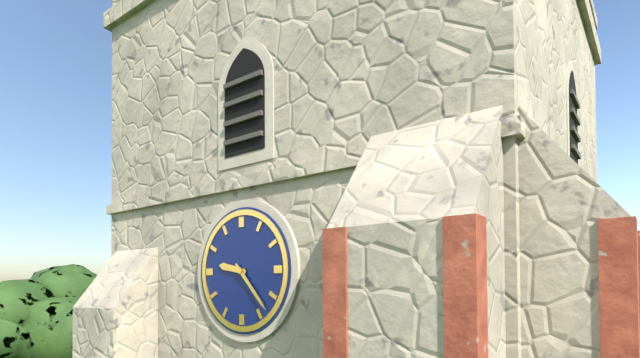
**9:23**
